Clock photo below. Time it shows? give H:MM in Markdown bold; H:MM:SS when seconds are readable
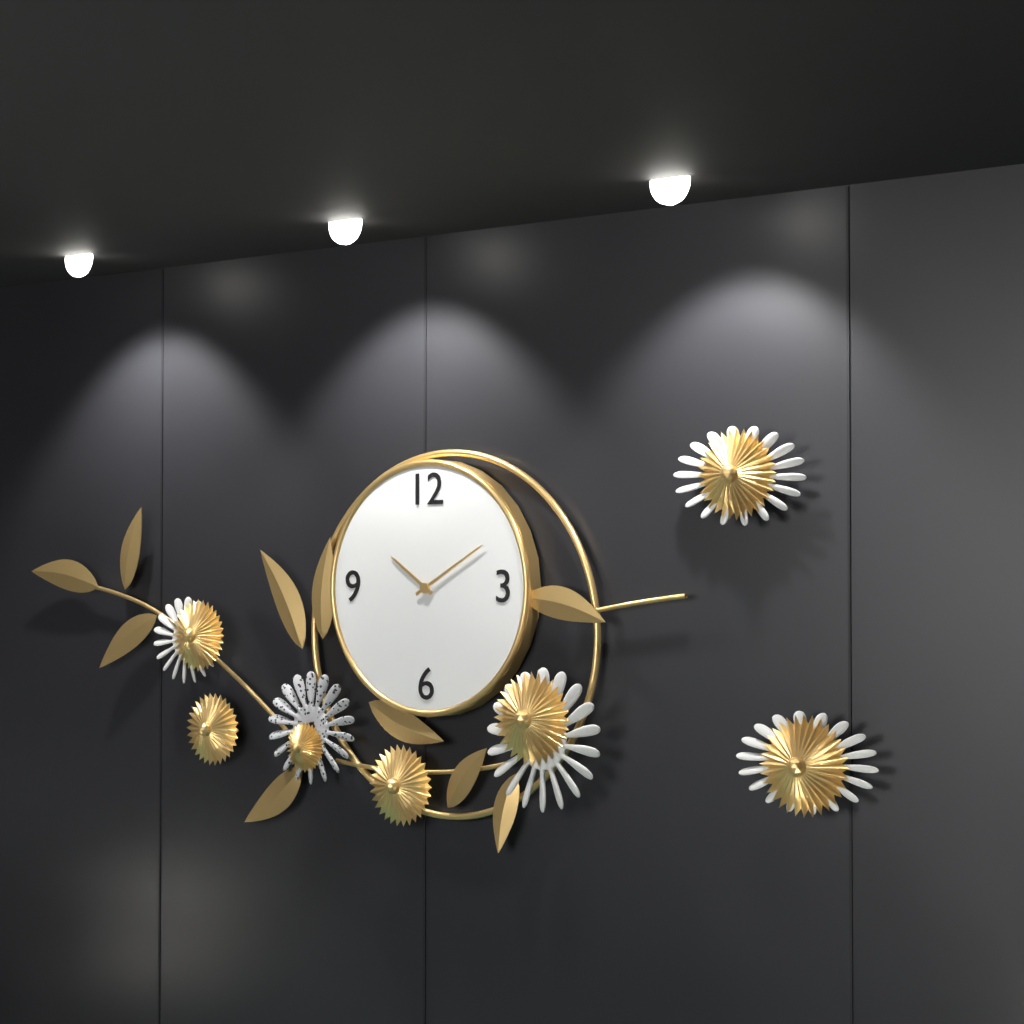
**10:10**
